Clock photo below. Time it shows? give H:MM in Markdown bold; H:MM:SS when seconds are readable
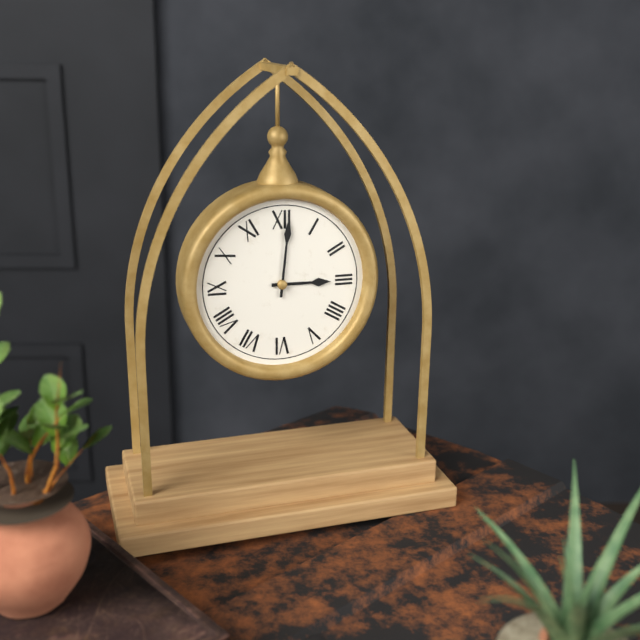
**3:01**
